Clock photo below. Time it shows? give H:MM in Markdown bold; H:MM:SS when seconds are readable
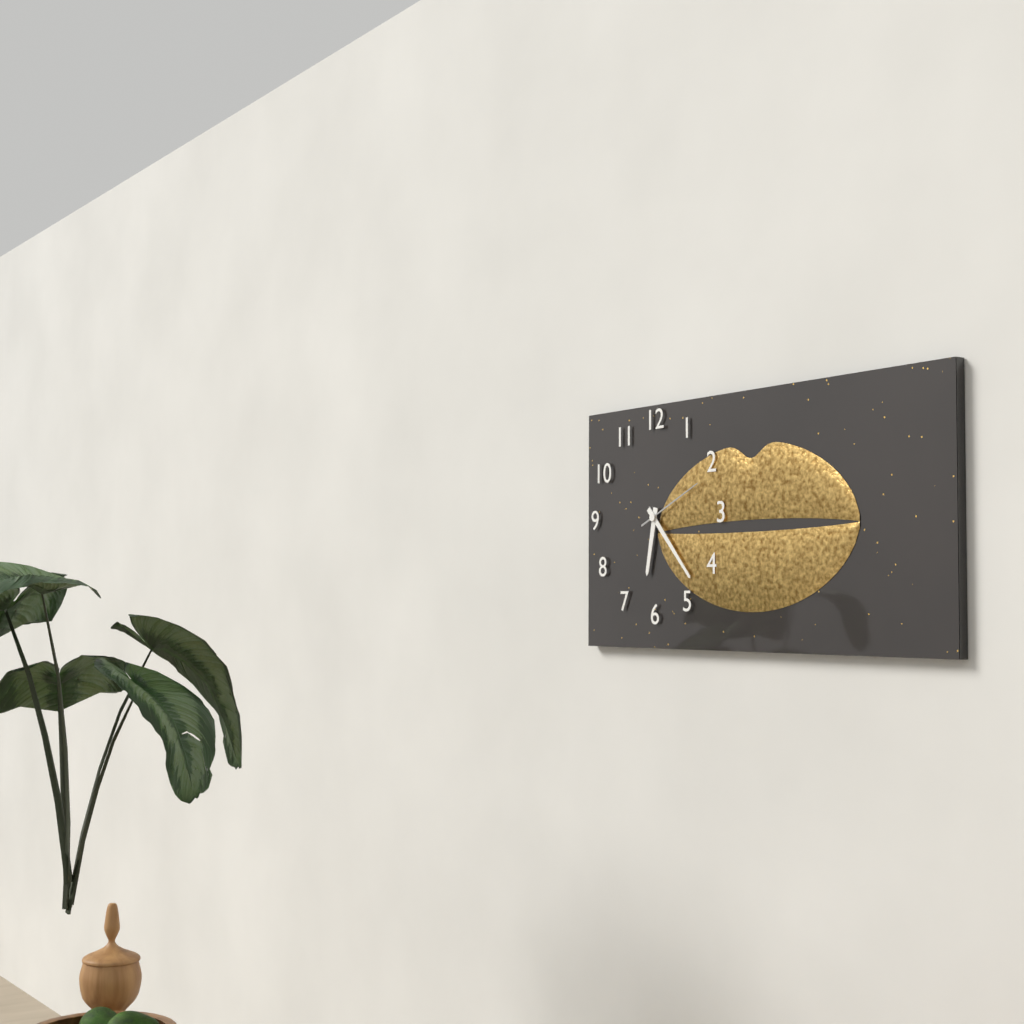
**6:23:11**
